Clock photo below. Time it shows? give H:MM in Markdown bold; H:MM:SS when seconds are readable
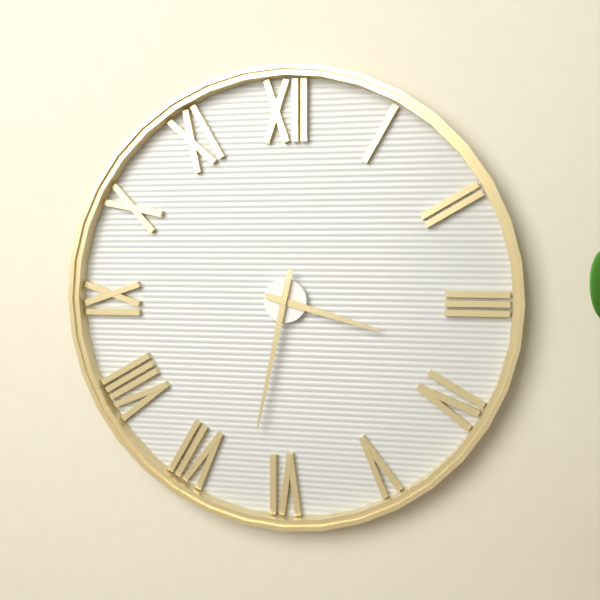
**3:32**
